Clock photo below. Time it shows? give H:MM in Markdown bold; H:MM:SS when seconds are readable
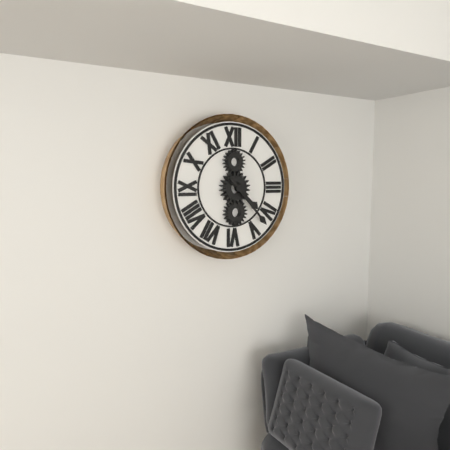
**4:23**
